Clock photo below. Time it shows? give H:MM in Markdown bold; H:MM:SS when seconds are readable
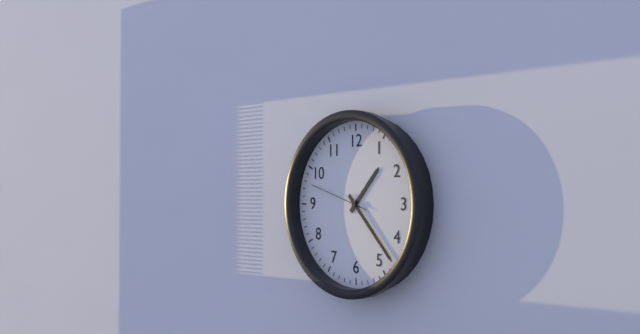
**1:23:48**
